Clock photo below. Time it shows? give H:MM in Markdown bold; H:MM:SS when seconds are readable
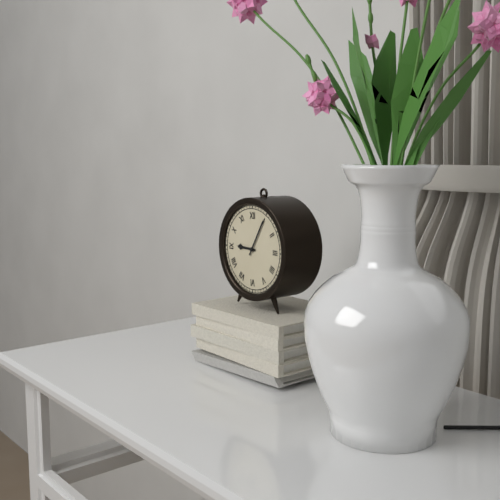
**9:05**
